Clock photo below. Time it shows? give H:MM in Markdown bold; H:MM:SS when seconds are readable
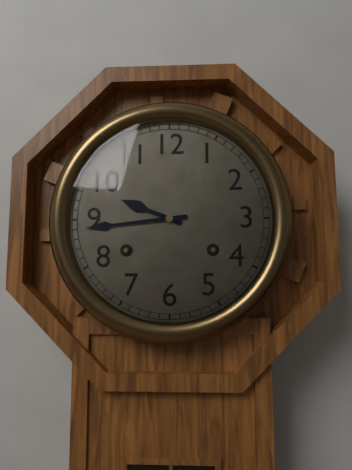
**9:44**
